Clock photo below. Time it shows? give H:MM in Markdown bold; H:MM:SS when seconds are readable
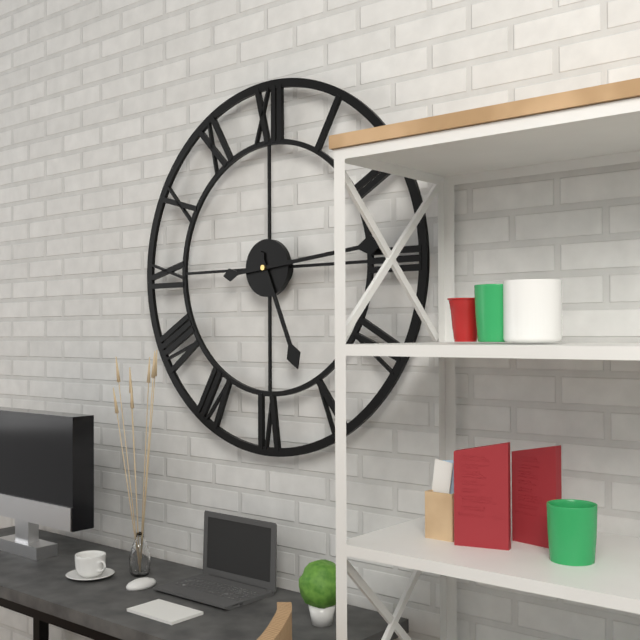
**5:14**
